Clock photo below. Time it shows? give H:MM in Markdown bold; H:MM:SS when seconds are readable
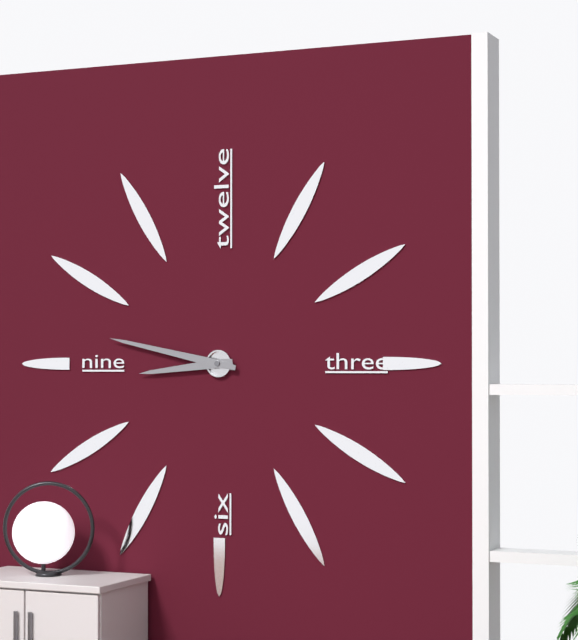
**8:47**
